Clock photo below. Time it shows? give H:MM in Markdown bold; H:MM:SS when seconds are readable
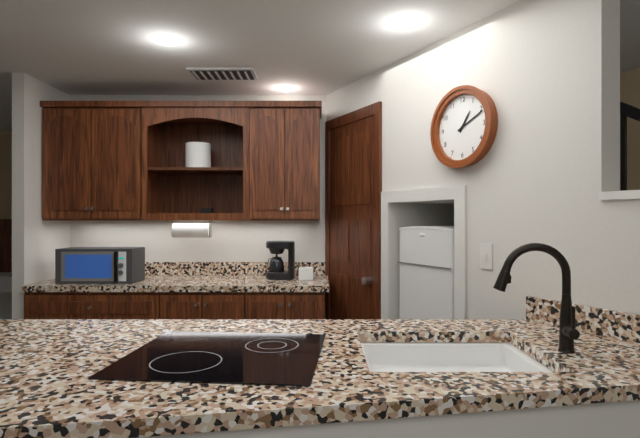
**1:11**
